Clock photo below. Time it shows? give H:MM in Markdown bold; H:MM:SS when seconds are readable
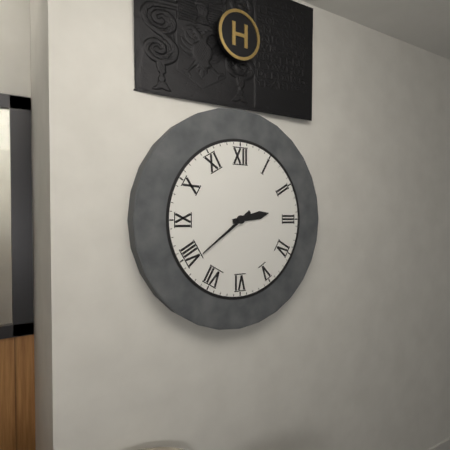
**2:39**
